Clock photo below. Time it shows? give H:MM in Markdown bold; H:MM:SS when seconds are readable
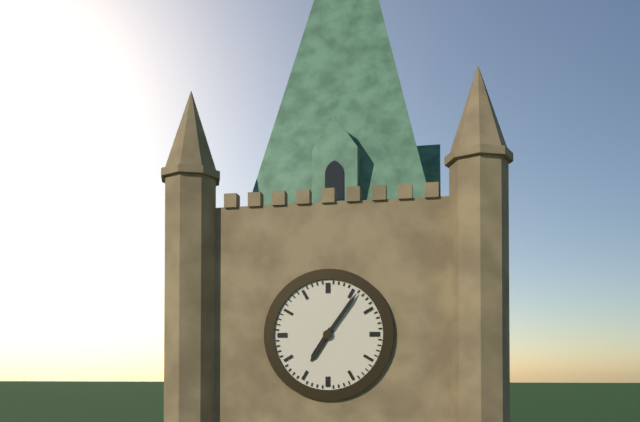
**7:06**
